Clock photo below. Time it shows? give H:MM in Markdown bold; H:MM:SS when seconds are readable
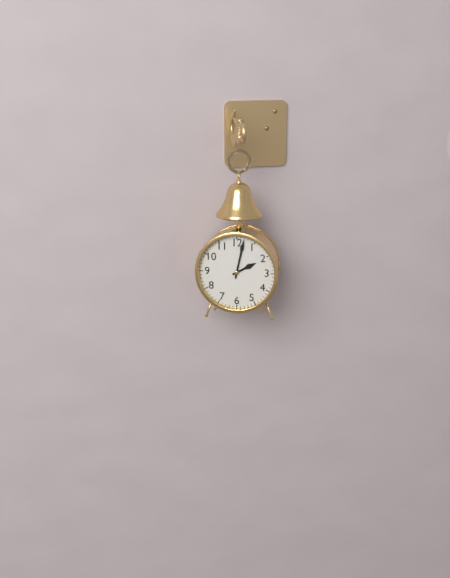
**2:02**
